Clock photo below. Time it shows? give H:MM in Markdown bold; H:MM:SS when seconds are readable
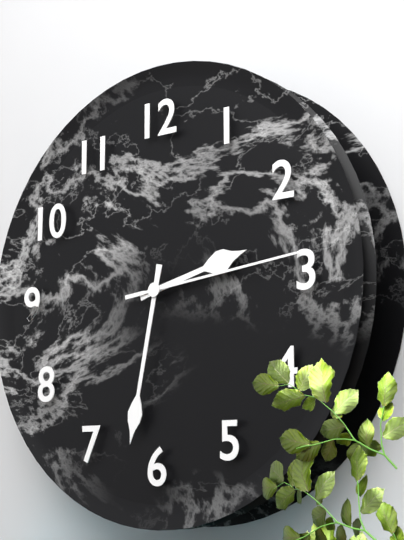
**2:32:14**
